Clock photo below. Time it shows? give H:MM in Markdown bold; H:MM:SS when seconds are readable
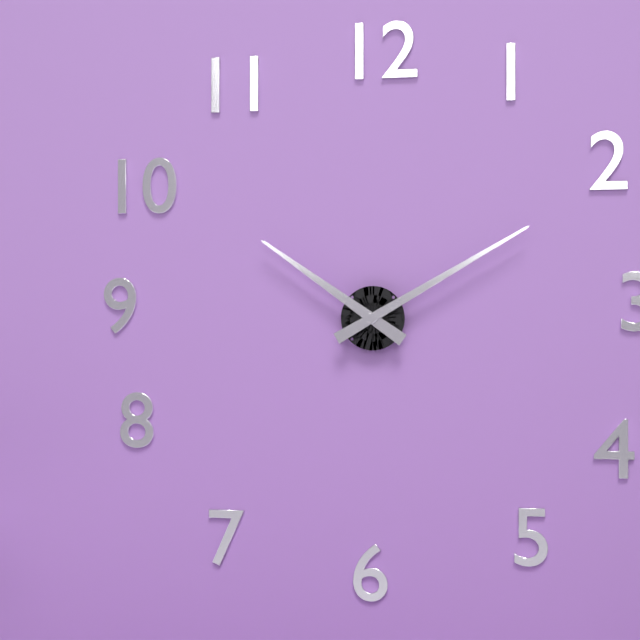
**10:10**
